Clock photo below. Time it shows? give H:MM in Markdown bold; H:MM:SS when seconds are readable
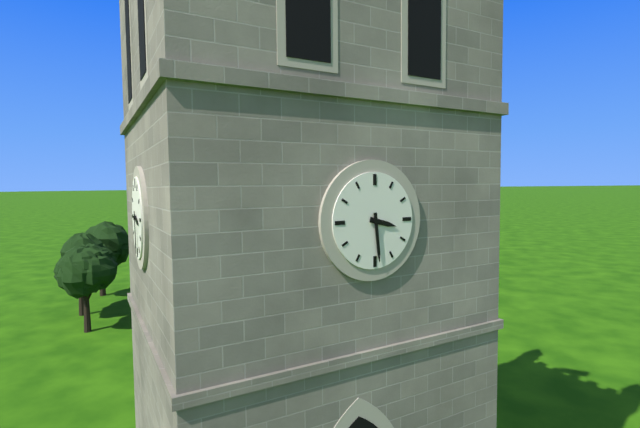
**3:29**
